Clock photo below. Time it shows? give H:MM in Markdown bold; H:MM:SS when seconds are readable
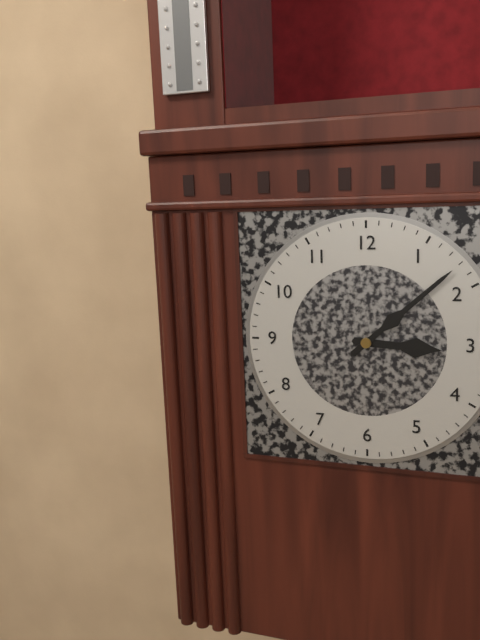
**3:08**
